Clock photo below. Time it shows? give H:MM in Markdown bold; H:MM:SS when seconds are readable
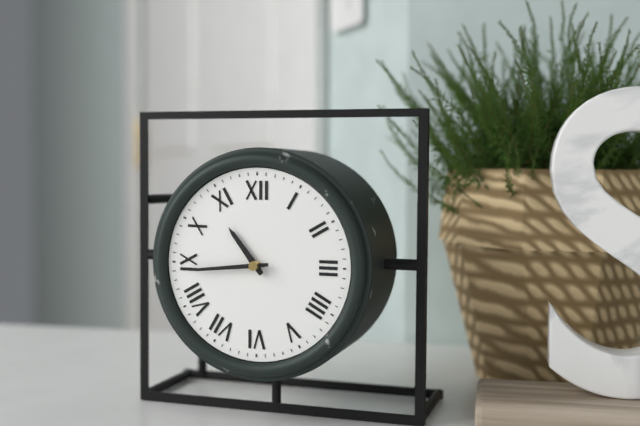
**10:44**
